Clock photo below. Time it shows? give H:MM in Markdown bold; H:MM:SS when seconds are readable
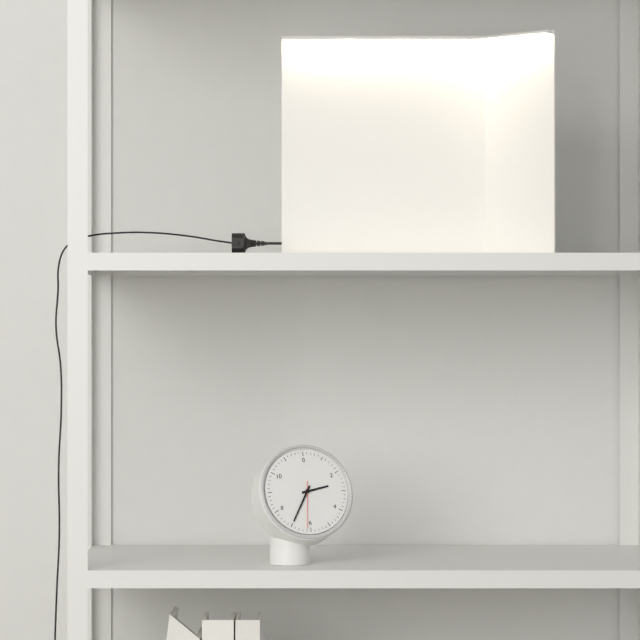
**2:35**
